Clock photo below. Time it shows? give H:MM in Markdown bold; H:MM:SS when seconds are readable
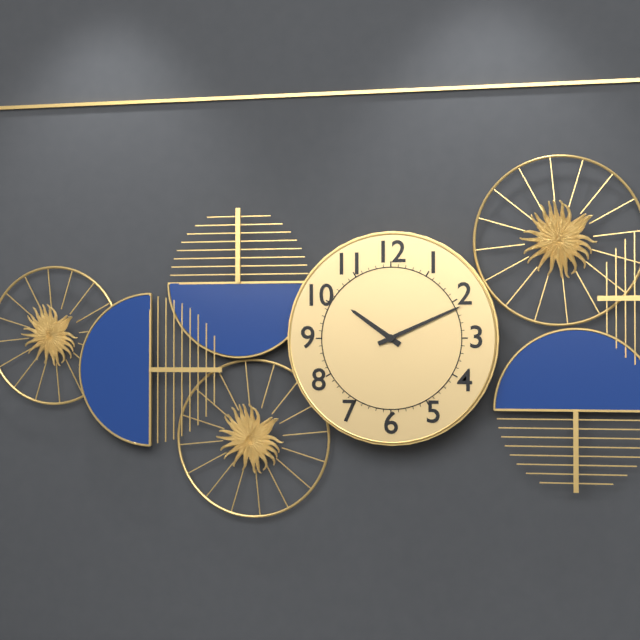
**10:11**
